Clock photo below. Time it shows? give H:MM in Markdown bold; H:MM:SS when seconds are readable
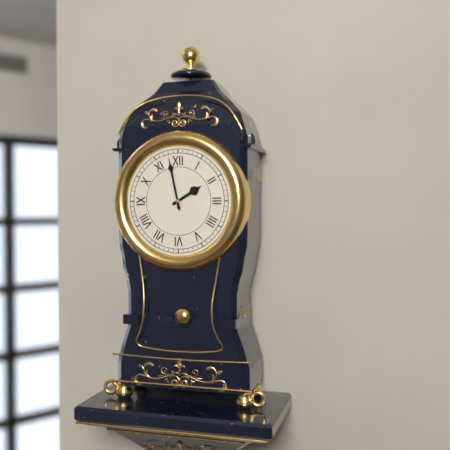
**1:58**
